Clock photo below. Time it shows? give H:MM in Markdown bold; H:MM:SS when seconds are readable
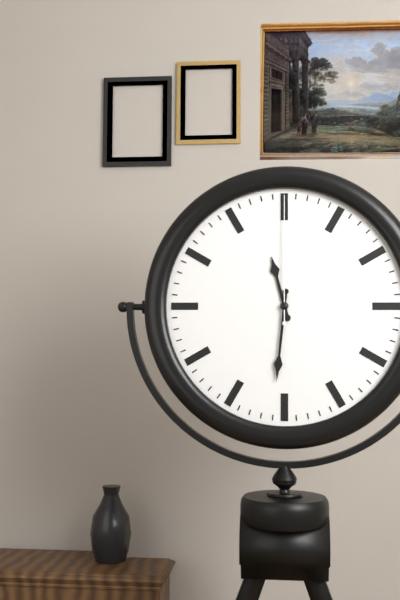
**11:31:00**
